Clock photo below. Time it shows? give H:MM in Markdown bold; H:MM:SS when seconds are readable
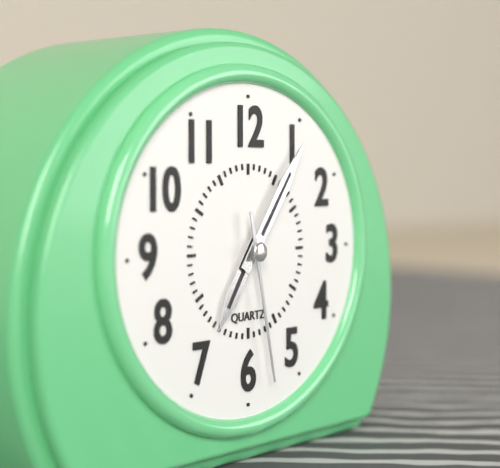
**7:06:28**
